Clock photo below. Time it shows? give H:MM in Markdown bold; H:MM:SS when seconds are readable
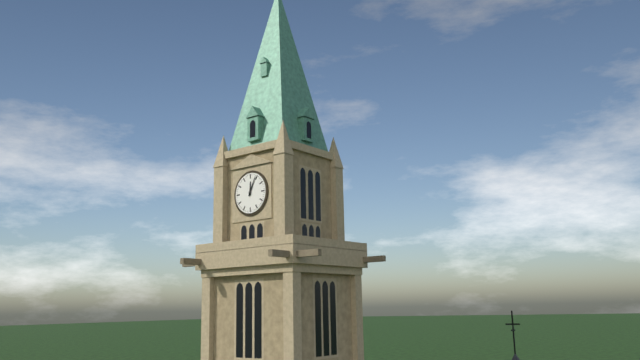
**12:04**
